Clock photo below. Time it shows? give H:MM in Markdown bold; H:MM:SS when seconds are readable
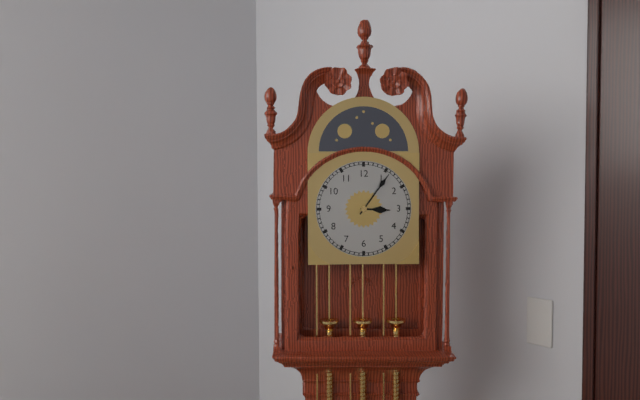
**3:06**
